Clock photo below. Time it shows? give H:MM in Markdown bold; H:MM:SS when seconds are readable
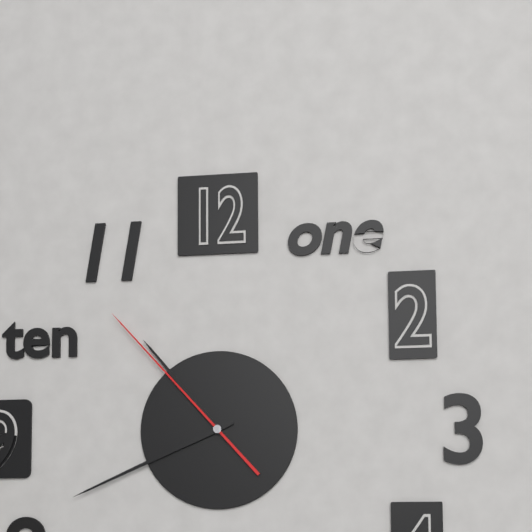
**10:41:53**
